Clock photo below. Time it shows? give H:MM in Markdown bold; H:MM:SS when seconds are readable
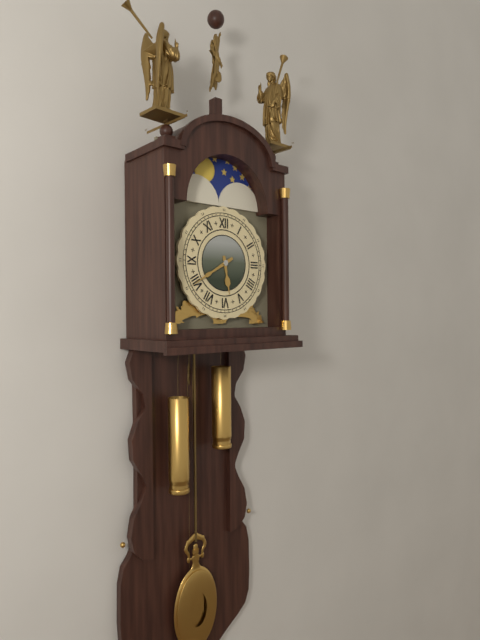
**5:40**
